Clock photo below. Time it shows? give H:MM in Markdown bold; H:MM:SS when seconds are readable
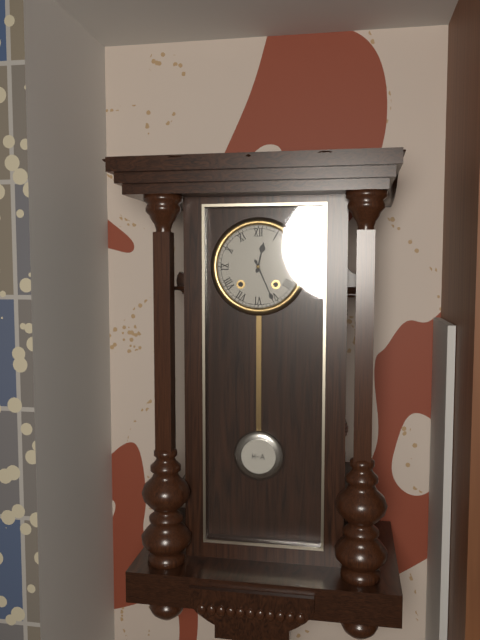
**12:26**
